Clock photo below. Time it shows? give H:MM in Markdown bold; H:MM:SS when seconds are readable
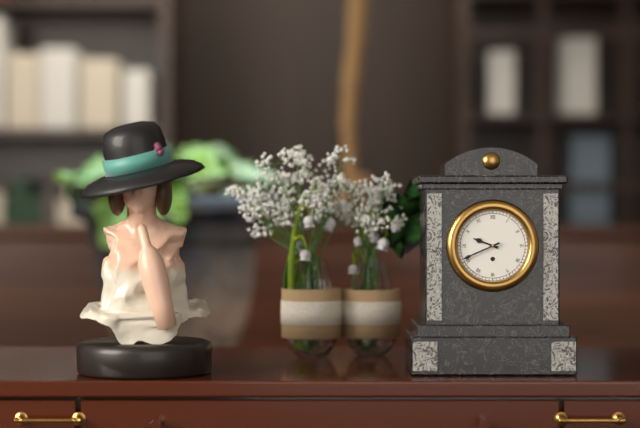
**9:41**
